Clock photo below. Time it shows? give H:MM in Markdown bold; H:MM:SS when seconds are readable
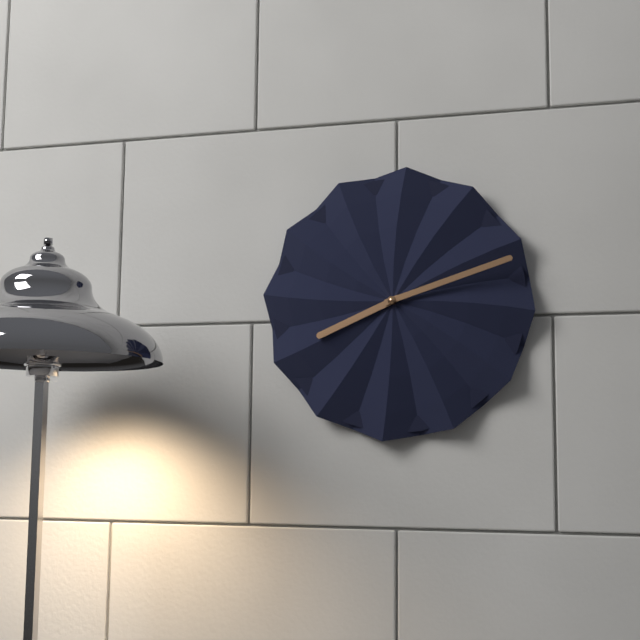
**8:12**
